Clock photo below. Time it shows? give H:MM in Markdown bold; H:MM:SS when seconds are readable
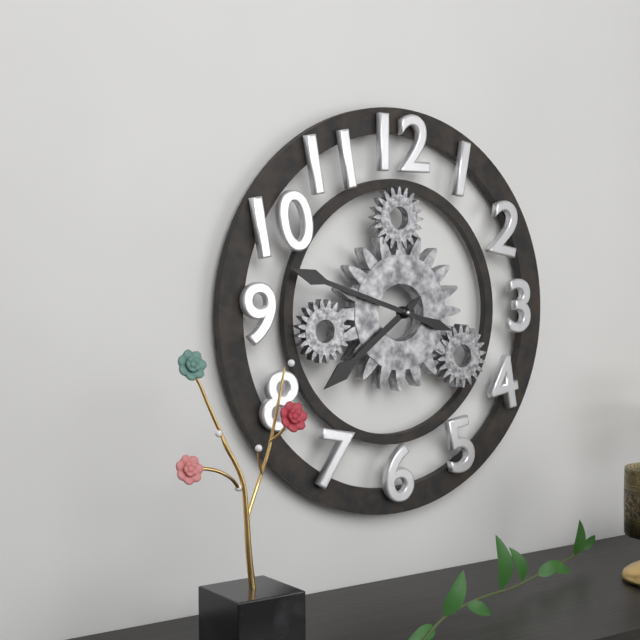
**7:48**
